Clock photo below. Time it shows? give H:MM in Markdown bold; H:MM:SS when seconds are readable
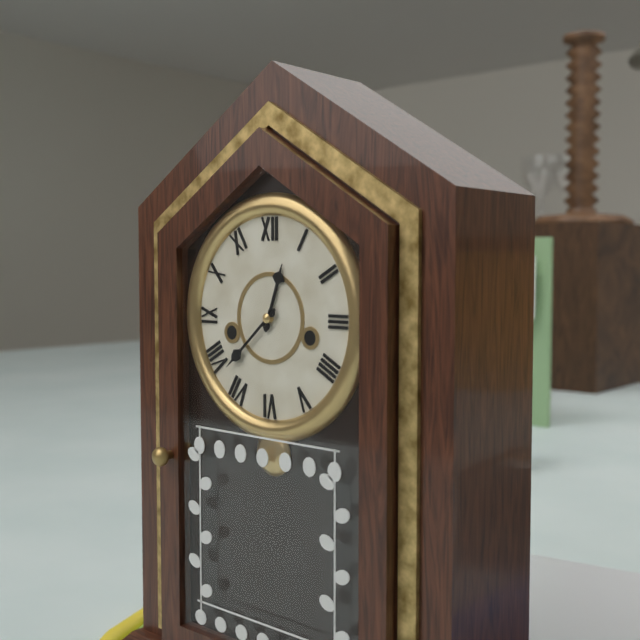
**12:38**
